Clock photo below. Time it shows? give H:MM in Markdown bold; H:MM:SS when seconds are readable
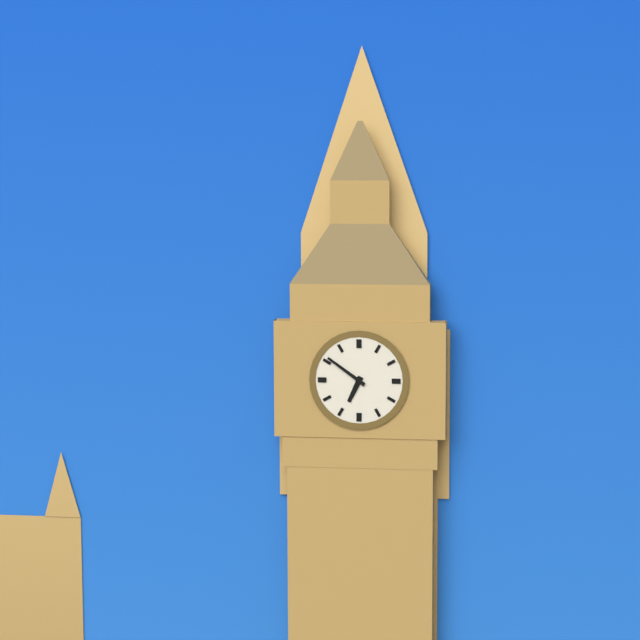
**6:51**
